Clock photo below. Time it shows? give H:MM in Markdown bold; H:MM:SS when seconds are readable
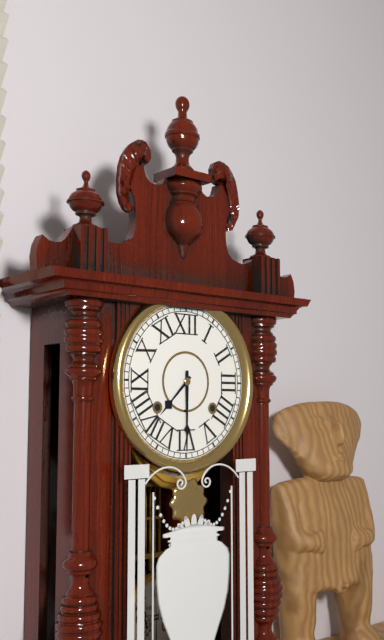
**7:30**
